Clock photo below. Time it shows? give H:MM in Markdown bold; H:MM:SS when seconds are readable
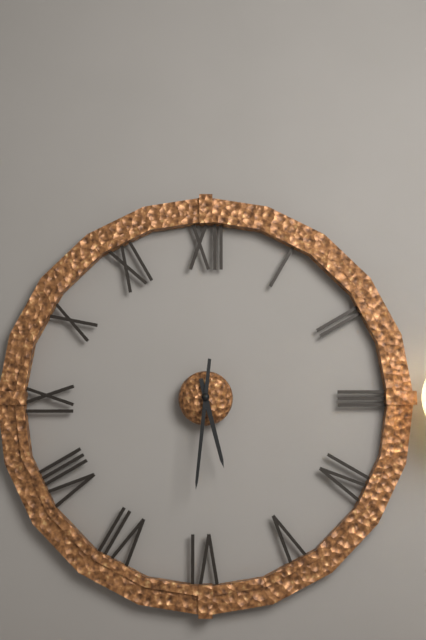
**5:31**
